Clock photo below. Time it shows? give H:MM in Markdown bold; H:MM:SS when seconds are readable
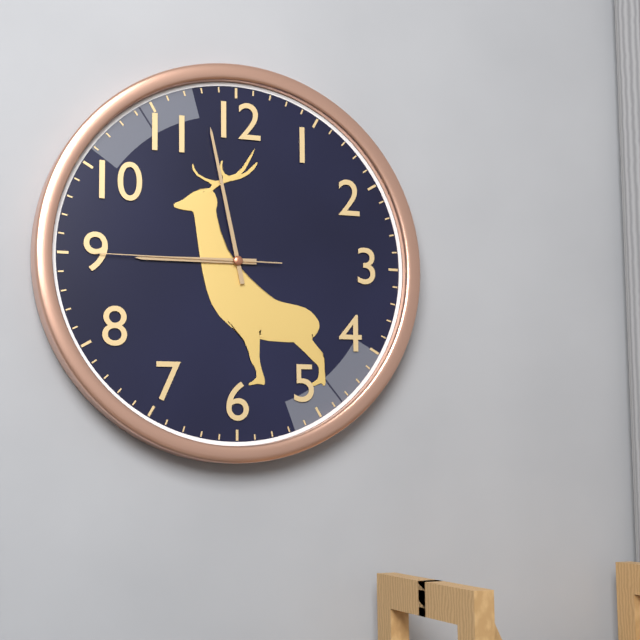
**8:58:45**
